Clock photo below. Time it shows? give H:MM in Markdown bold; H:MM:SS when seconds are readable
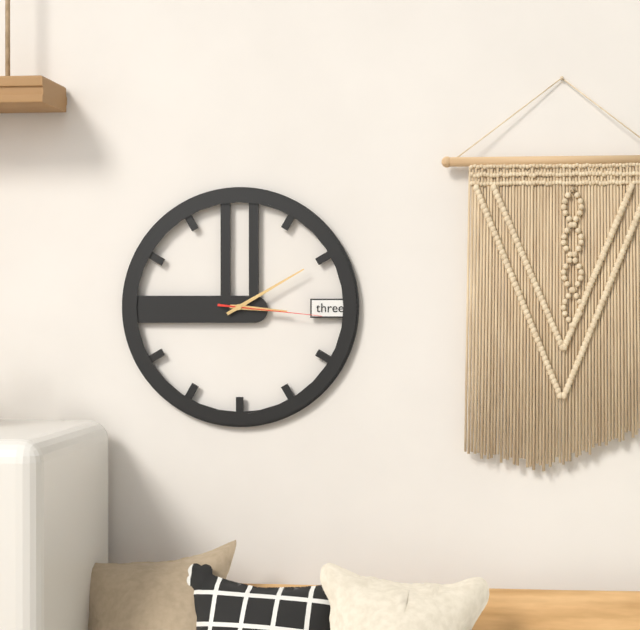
**3:10:16**
